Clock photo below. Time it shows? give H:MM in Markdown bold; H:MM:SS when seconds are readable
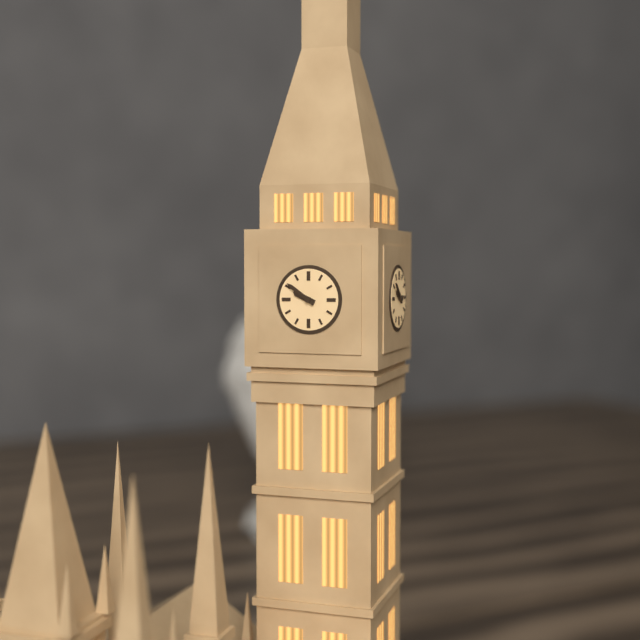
**9:51**
